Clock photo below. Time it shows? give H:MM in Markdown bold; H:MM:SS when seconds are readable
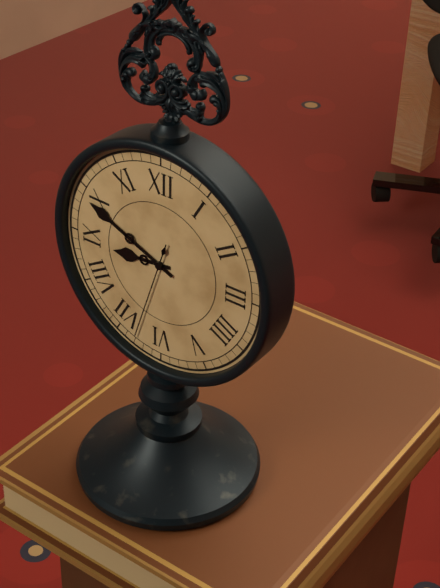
**8:49:33**
